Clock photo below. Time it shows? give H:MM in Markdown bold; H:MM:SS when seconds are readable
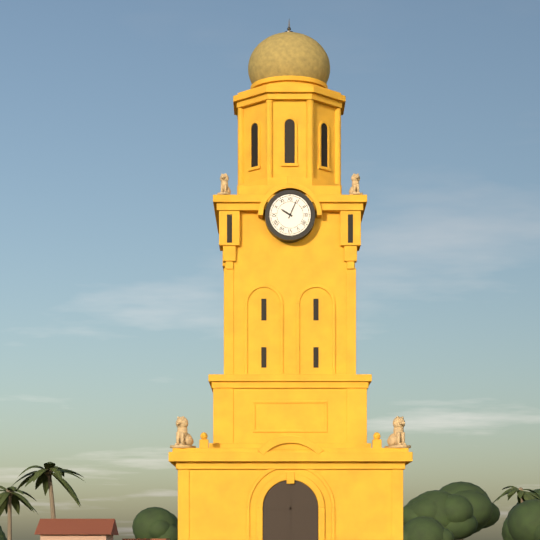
**10:04**
